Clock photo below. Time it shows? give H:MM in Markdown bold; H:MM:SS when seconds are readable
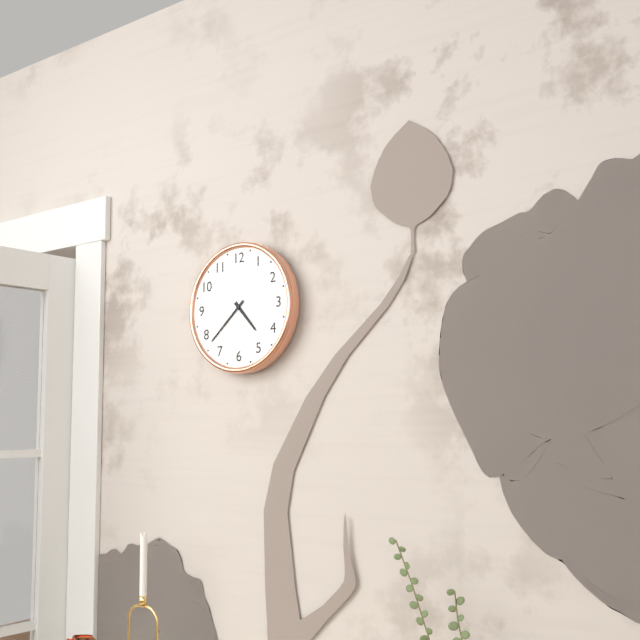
**4:38**
